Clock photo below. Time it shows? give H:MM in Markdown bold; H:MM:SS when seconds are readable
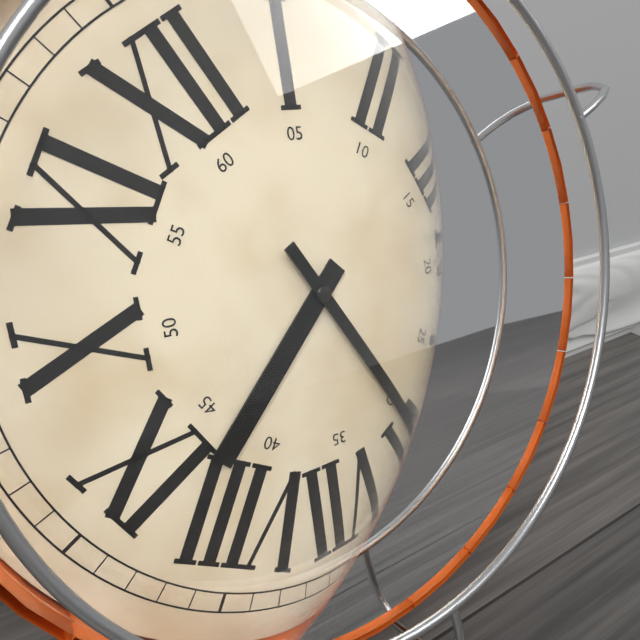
**8:30**
